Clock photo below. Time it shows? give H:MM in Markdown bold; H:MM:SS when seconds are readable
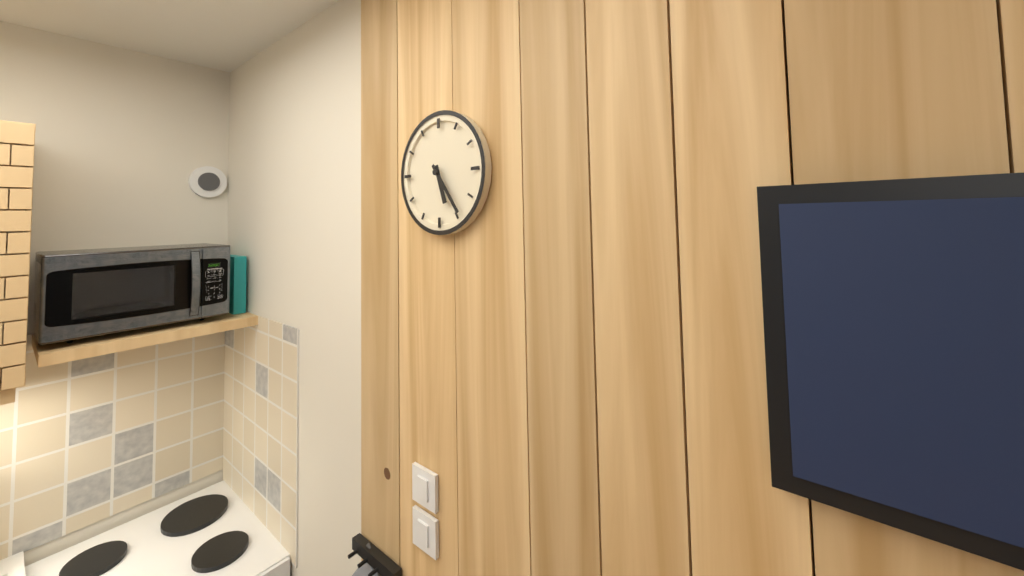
**5:24**
